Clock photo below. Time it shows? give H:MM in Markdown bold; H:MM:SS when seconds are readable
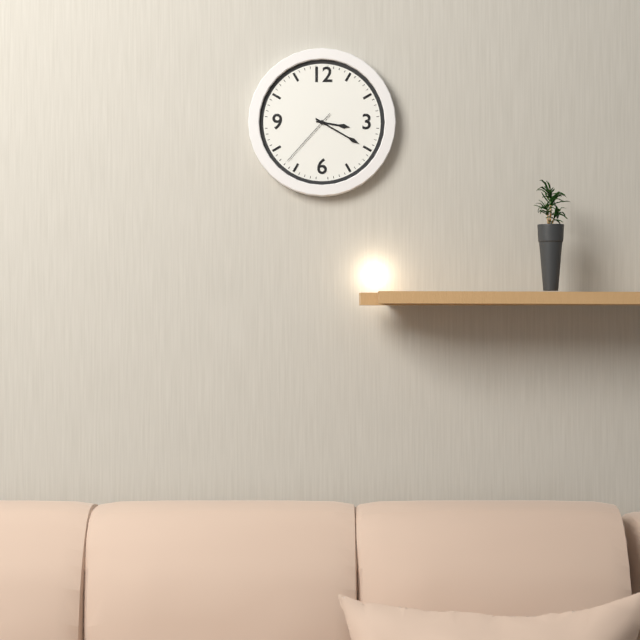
**3:20:37**
